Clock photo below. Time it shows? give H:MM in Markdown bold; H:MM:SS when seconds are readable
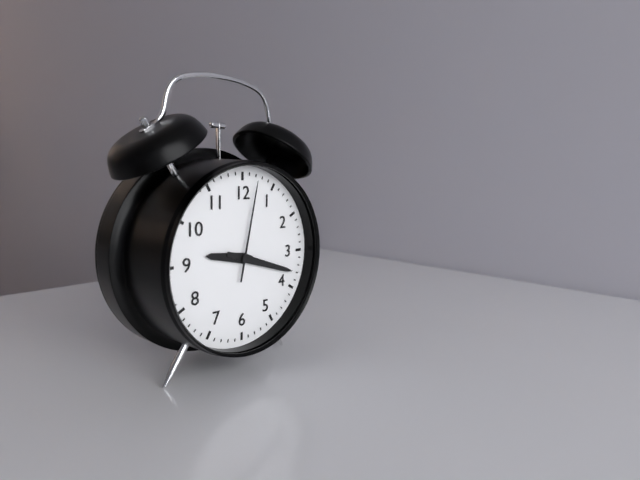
**9:18:02**
